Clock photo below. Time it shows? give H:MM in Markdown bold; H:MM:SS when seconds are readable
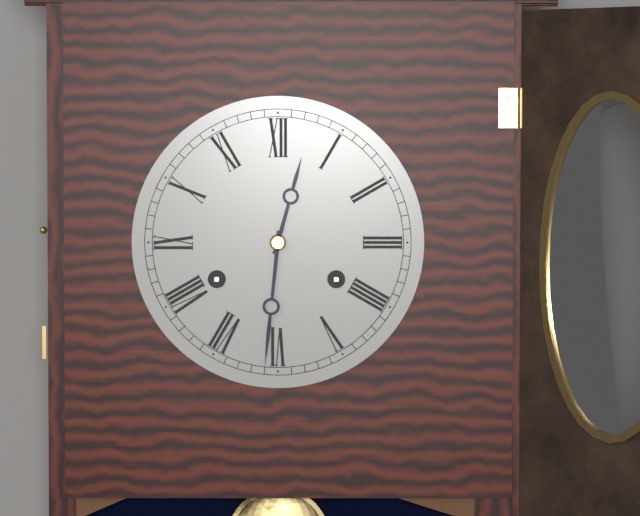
**12:31**
